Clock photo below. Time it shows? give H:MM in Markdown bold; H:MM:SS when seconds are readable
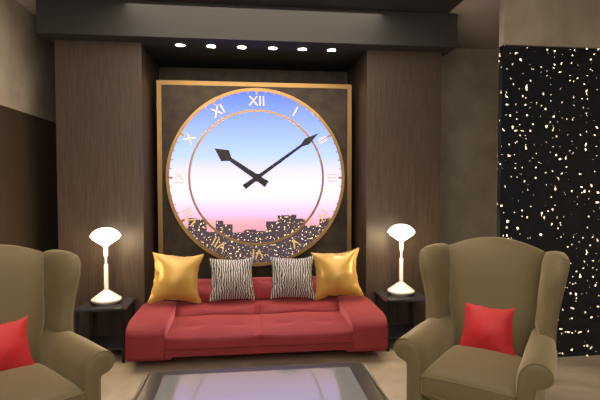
**10:09**
